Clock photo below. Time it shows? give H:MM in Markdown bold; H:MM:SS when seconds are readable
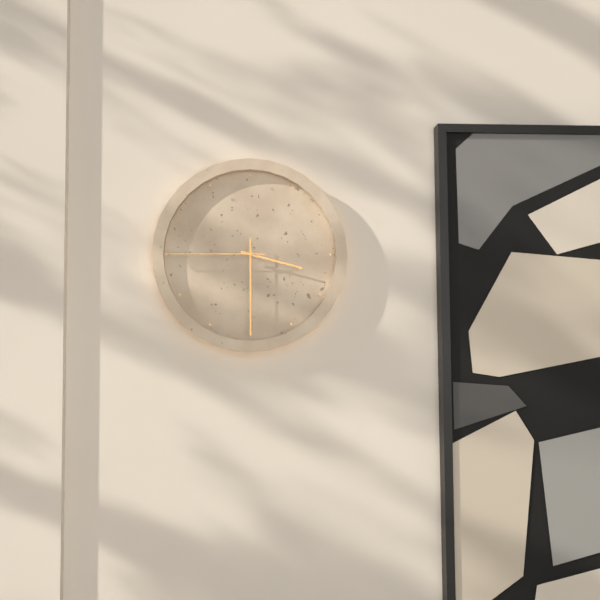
**3:30:45**
